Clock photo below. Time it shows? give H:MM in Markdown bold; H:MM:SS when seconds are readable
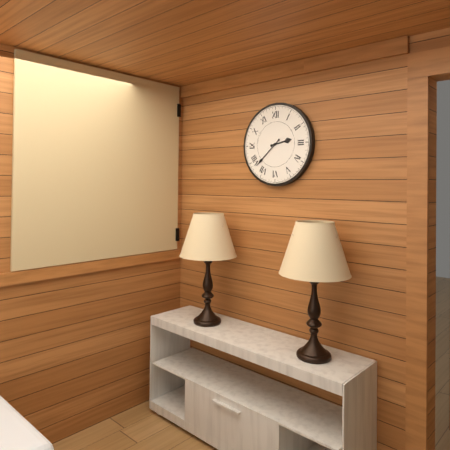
**2:38**
